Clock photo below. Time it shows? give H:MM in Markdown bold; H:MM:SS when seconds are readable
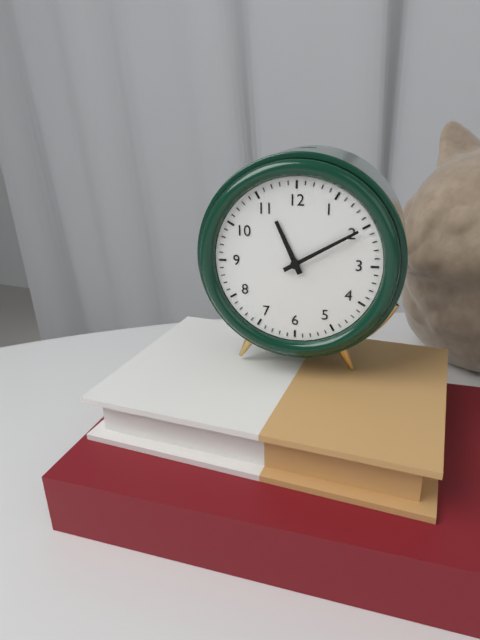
**11:10**
